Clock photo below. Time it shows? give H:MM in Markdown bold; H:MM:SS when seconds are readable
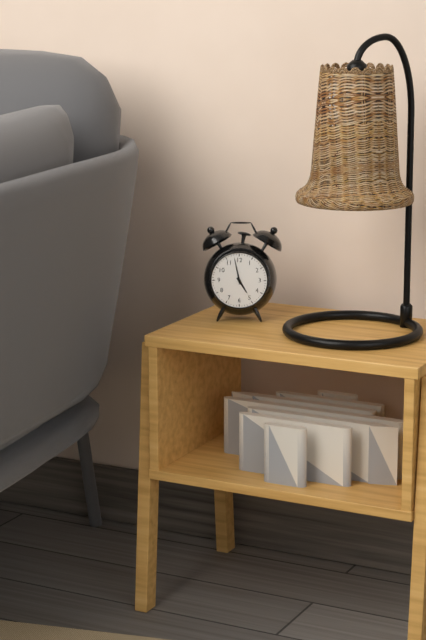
**4:58**
